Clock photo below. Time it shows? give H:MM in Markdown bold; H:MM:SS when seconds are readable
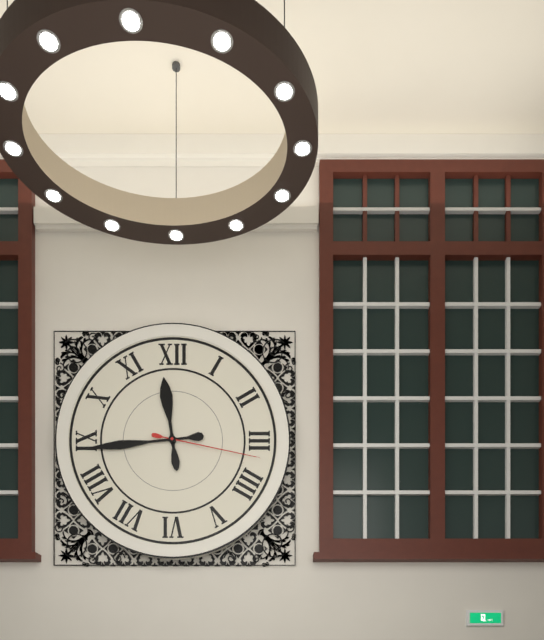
**11:44:17**
